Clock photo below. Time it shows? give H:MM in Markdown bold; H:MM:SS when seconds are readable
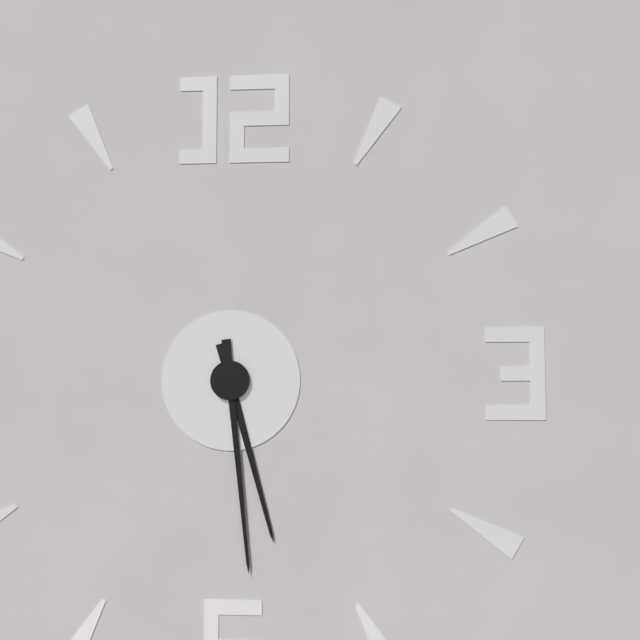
**5:29**
